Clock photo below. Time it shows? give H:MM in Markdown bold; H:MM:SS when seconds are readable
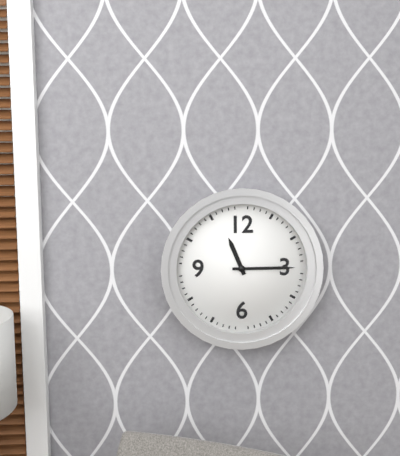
**11:15**
